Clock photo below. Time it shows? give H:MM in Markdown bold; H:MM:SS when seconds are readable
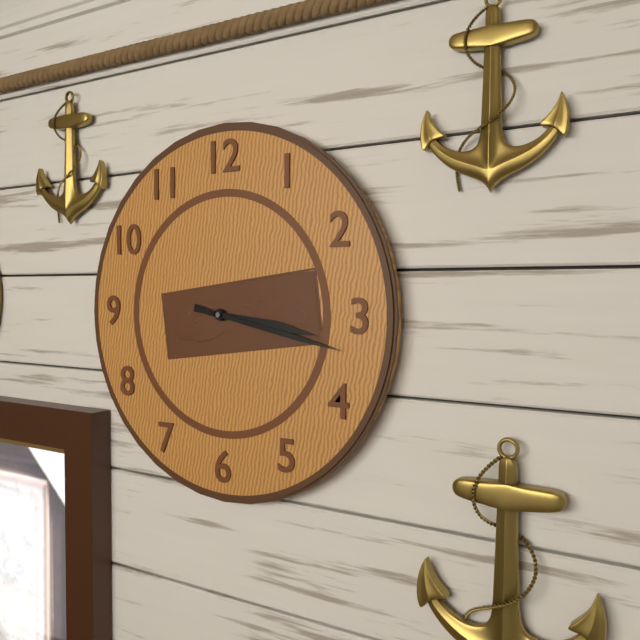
**3:17**
